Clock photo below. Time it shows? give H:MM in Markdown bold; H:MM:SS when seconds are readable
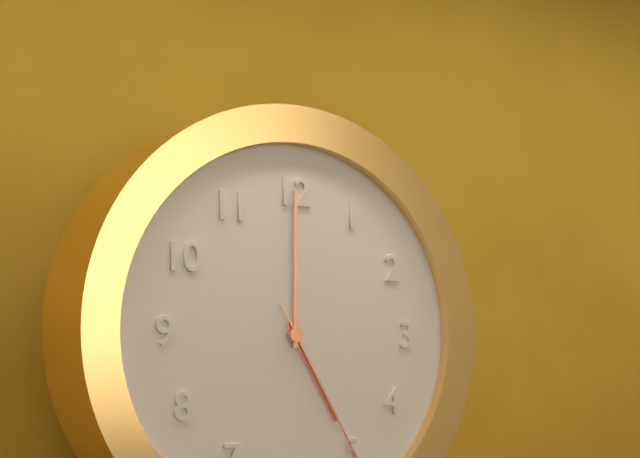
**5:00**
